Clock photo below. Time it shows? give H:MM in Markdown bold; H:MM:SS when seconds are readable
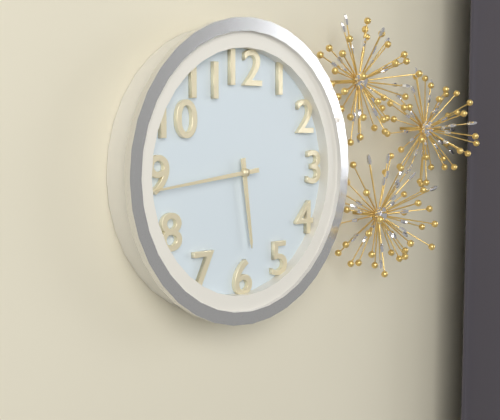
**5:44**
